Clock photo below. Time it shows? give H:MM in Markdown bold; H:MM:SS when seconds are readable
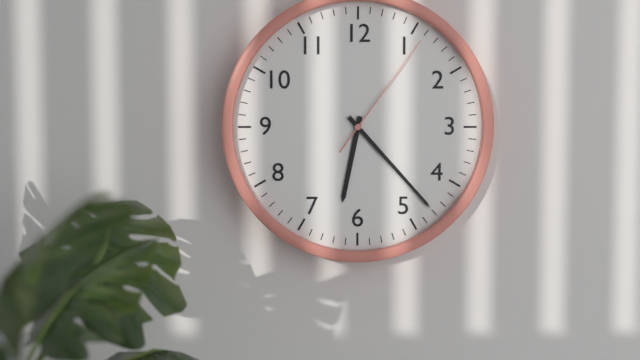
**6:23:06**
